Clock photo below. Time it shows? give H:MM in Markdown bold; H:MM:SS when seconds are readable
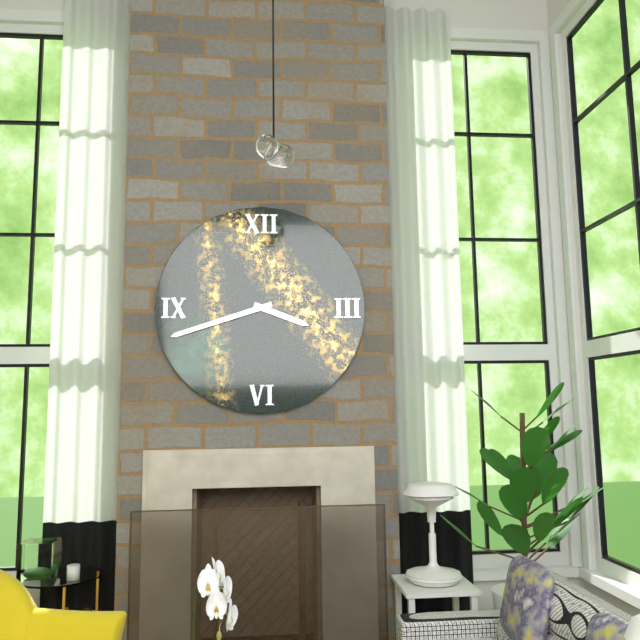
**3:42**
